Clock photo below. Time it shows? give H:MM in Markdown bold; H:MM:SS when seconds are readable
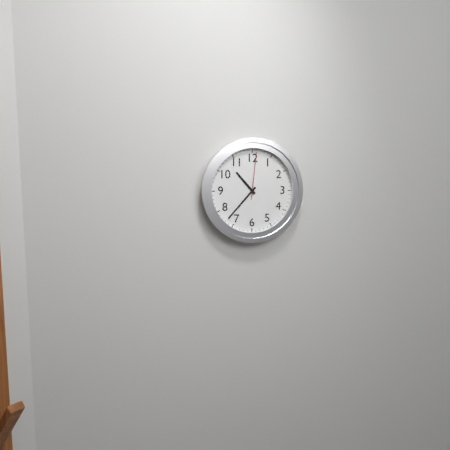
**10:37**
